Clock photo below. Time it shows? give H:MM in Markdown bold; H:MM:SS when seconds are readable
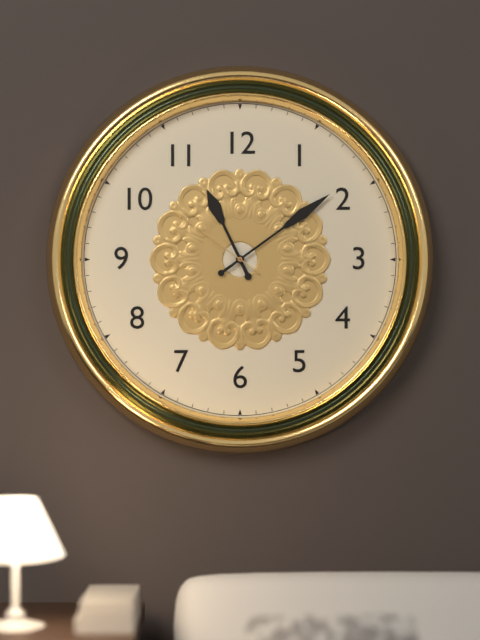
**11:09:51**
